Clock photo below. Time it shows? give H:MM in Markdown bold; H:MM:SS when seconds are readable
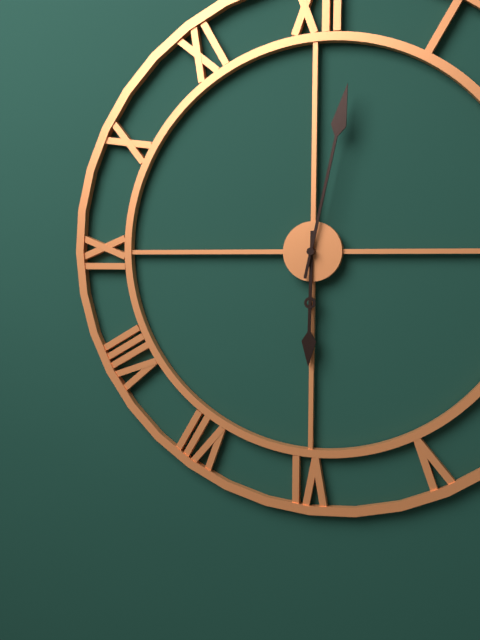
**6:02**
